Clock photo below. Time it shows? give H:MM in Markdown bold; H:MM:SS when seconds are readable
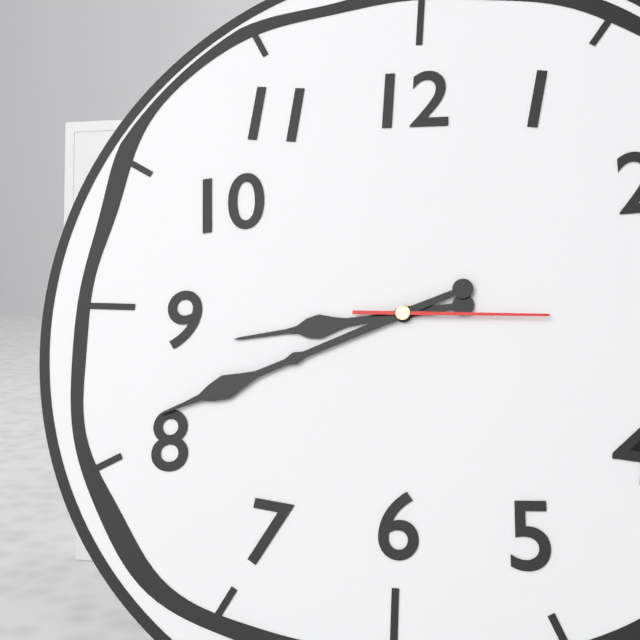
**8:41:15**
